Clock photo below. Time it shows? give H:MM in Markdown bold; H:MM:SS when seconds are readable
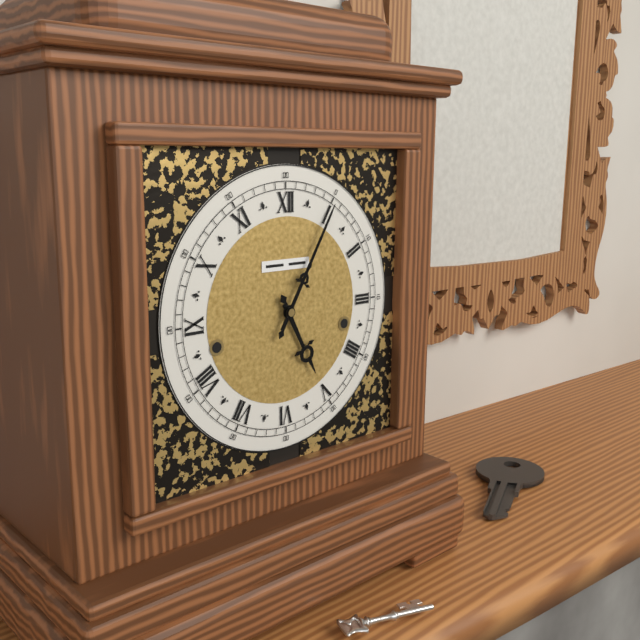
**5:05**
